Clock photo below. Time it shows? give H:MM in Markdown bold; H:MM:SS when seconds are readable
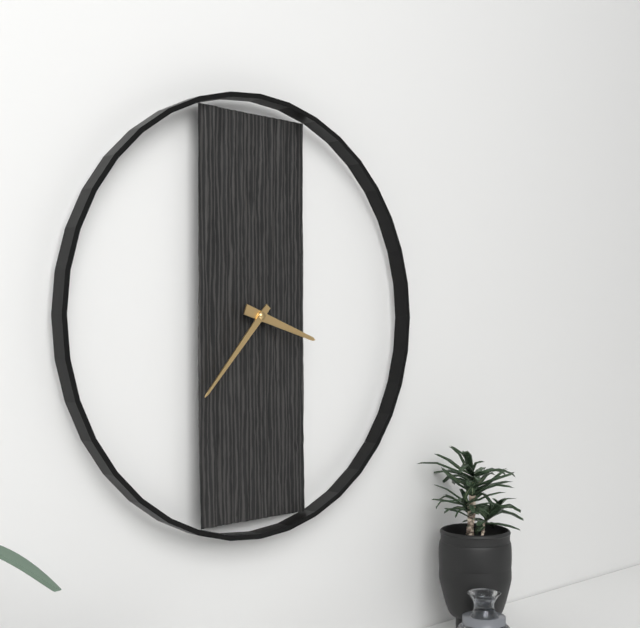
**3:37**
